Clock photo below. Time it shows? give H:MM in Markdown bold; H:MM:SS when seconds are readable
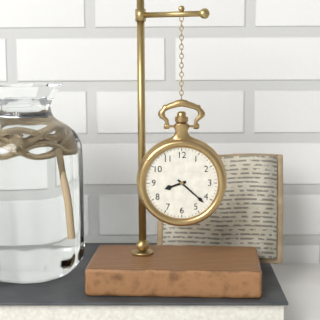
**8:22**
